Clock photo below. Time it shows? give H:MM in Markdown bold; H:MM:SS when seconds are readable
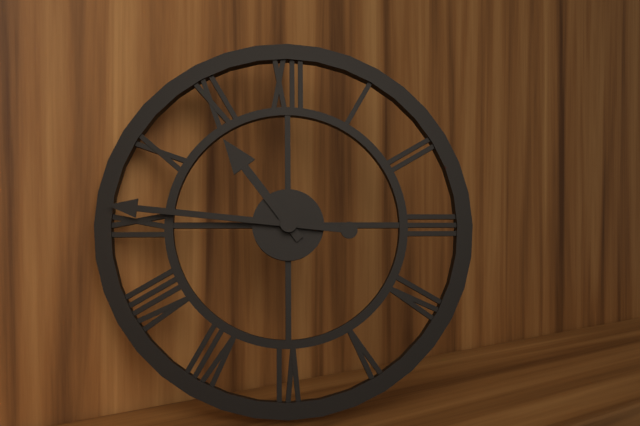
**10:46**
